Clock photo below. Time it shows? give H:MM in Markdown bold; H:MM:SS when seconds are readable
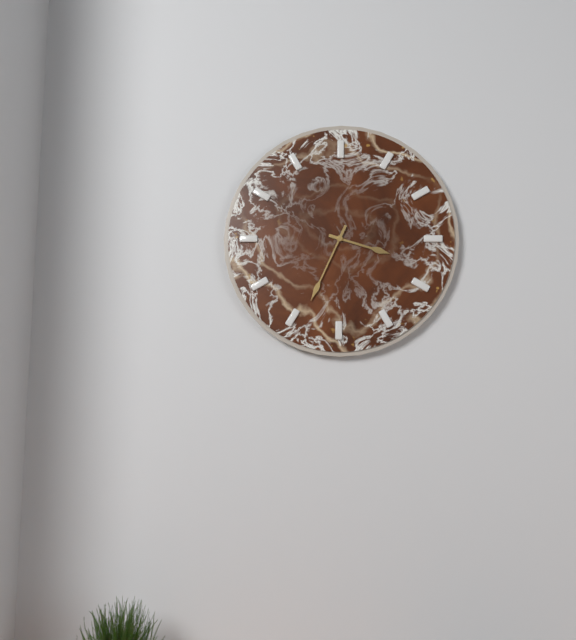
**3:34**
